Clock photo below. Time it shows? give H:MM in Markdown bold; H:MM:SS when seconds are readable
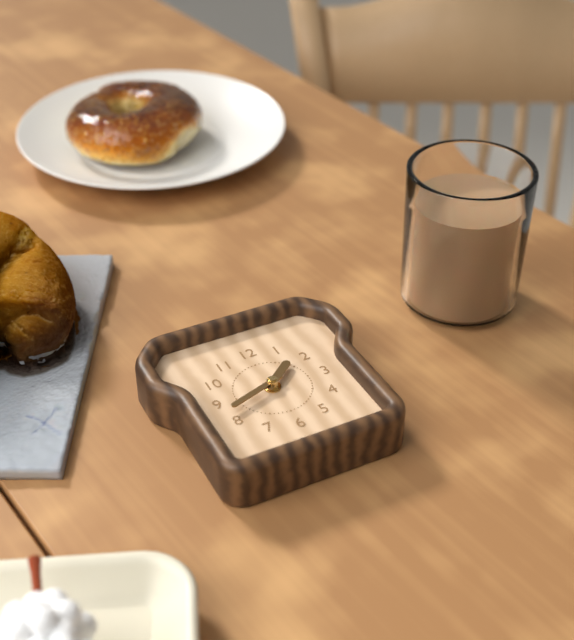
**1:42**
